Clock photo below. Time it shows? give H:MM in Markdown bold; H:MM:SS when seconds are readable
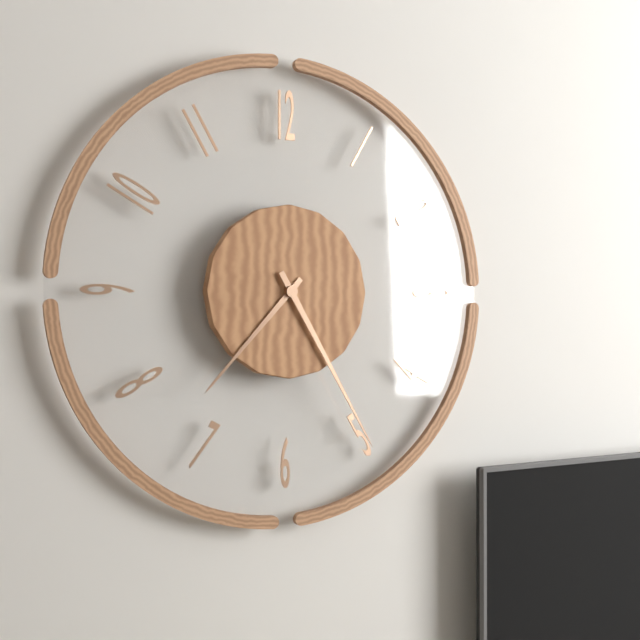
**7:25**
